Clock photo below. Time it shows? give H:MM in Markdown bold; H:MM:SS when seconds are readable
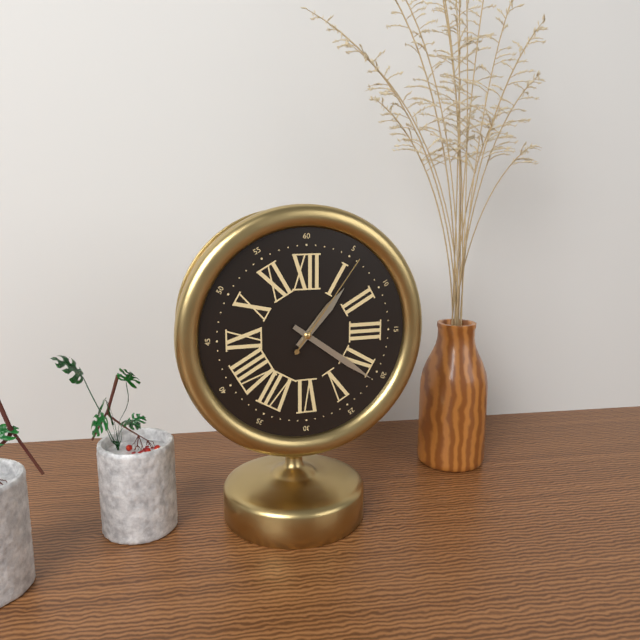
**1:21:06**
